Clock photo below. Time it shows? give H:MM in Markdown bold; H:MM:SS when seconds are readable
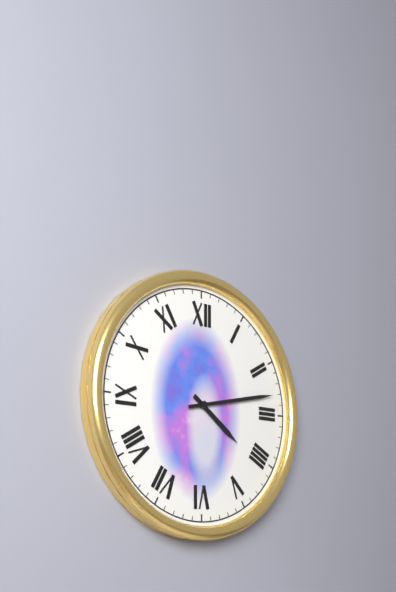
**4:13**
